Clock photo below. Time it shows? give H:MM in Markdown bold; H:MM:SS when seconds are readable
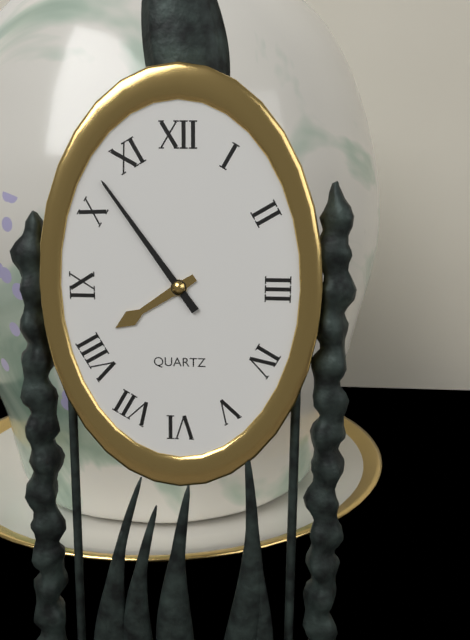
**7:54**
